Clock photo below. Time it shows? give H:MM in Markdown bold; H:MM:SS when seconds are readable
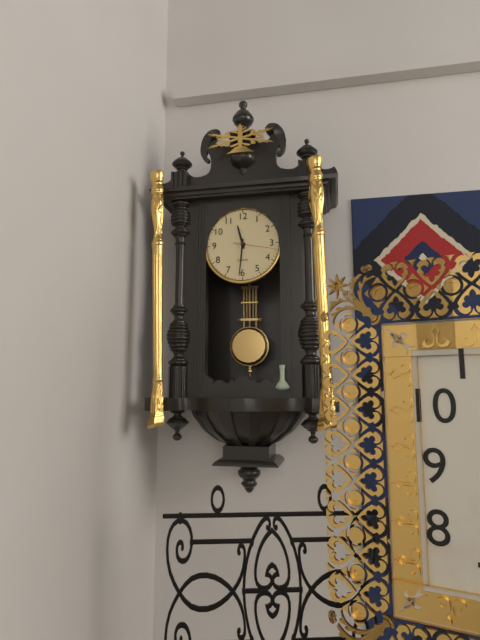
**11:31**
